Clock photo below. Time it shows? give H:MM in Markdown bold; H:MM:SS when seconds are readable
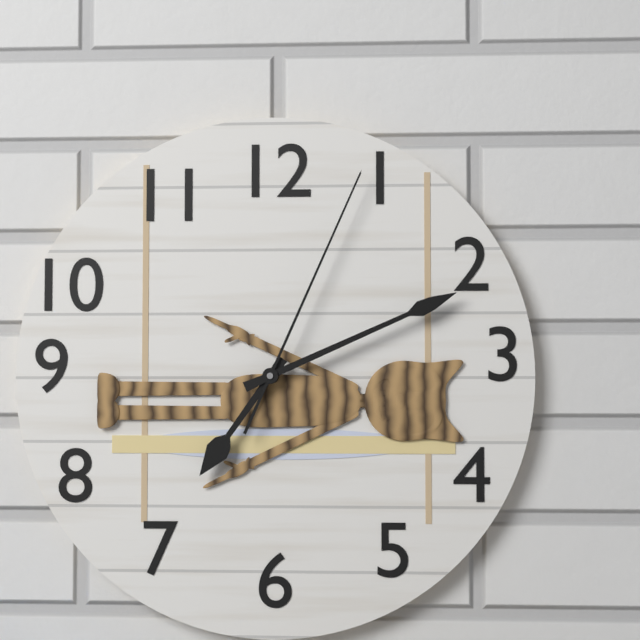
**7:11:04**
